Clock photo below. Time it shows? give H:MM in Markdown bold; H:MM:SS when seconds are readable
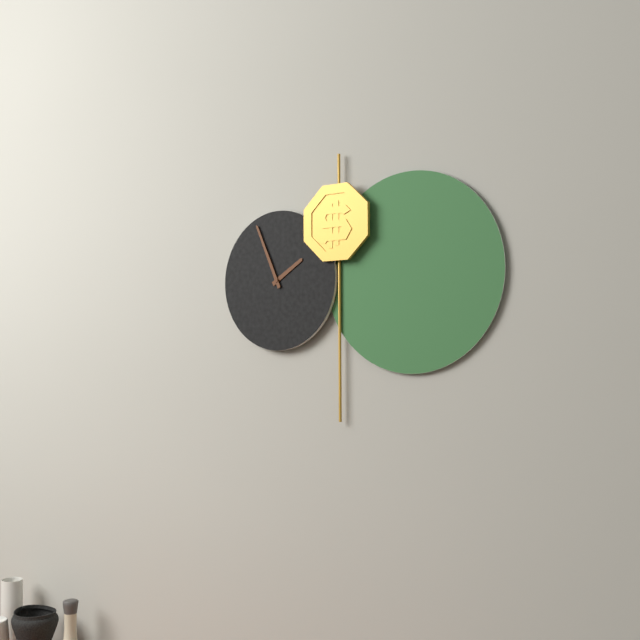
**1:56**
